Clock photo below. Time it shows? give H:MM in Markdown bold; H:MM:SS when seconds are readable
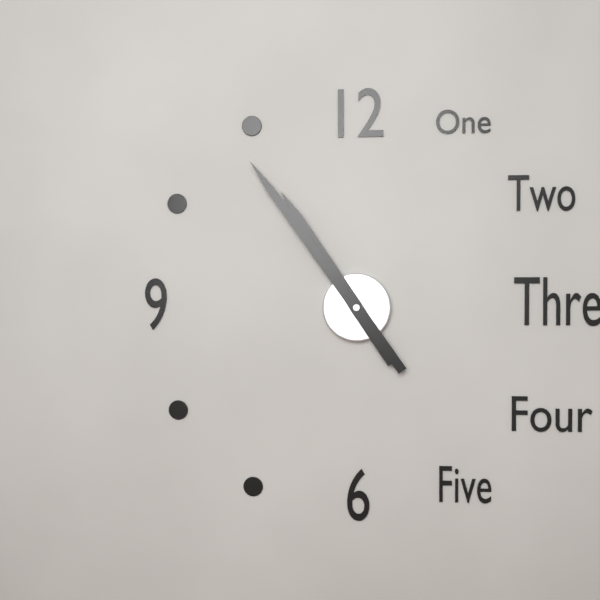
**10:54**
